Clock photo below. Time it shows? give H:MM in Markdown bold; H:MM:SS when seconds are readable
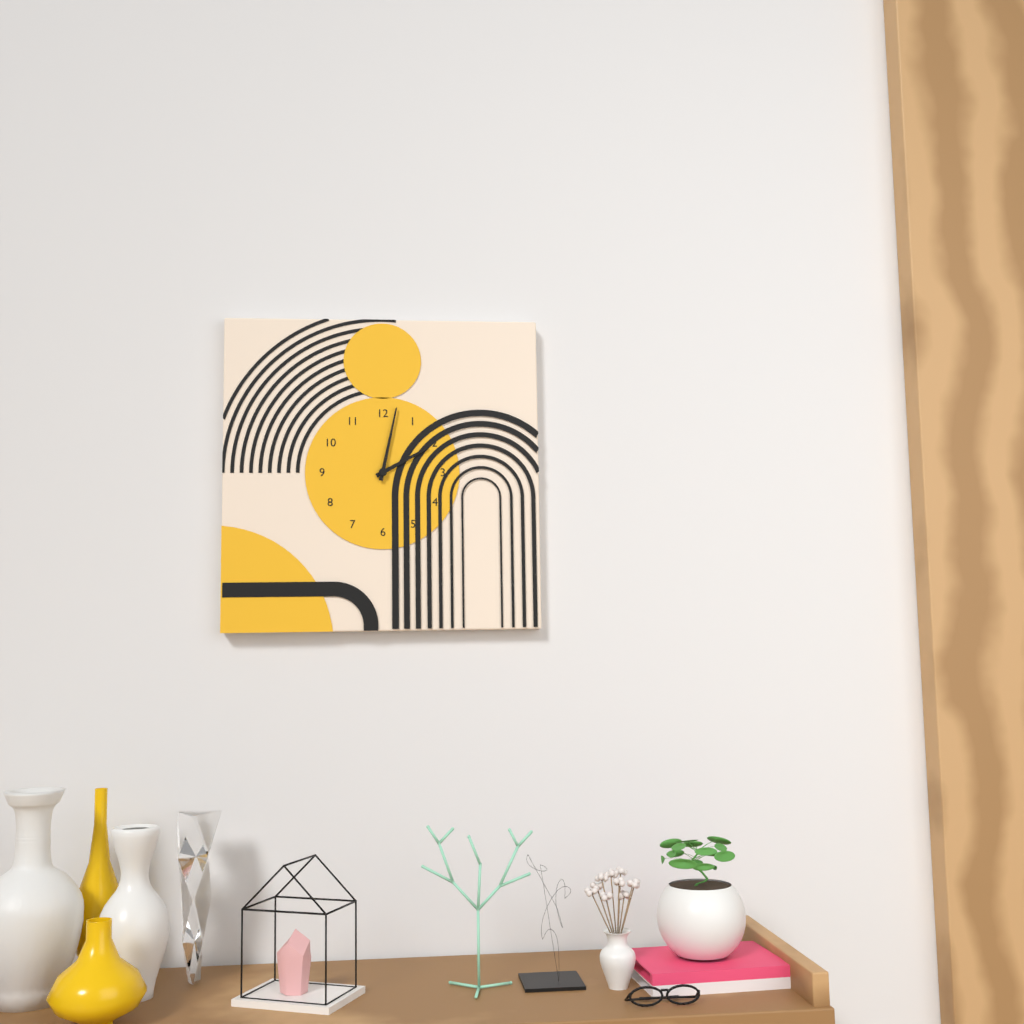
**2:02**
